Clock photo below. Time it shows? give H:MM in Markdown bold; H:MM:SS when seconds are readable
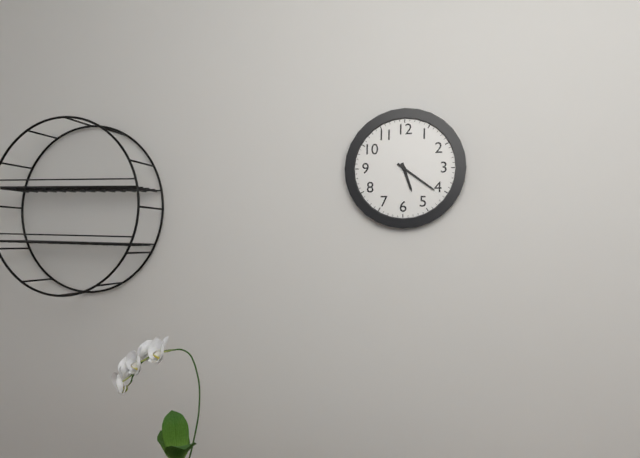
**5:21**
